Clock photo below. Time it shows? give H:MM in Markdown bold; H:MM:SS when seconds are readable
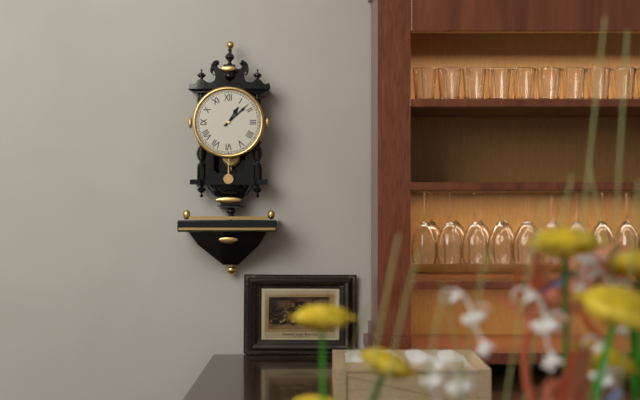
**1:08**
